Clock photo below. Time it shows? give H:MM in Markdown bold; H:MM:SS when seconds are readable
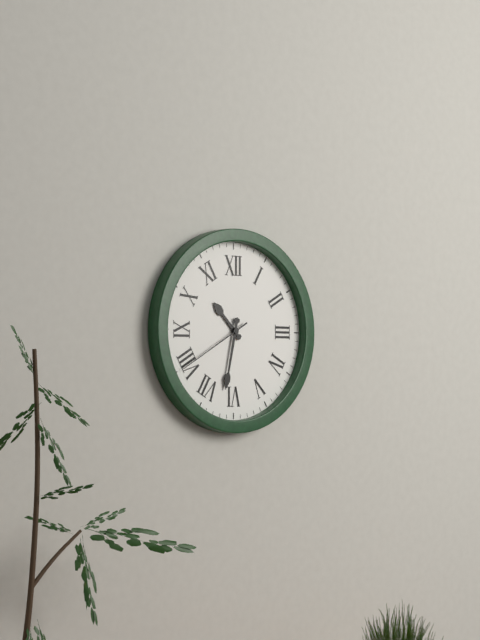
**10:32:40**
